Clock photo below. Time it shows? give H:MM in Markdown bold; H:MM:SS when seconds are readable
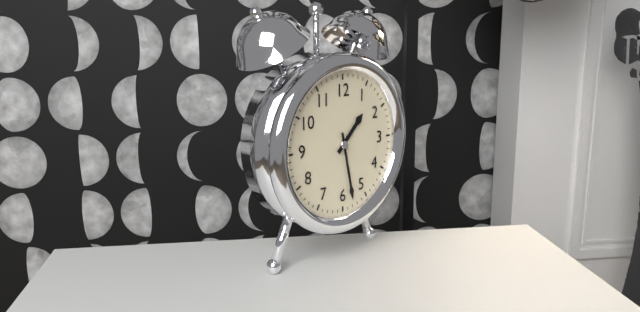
**1:28**
